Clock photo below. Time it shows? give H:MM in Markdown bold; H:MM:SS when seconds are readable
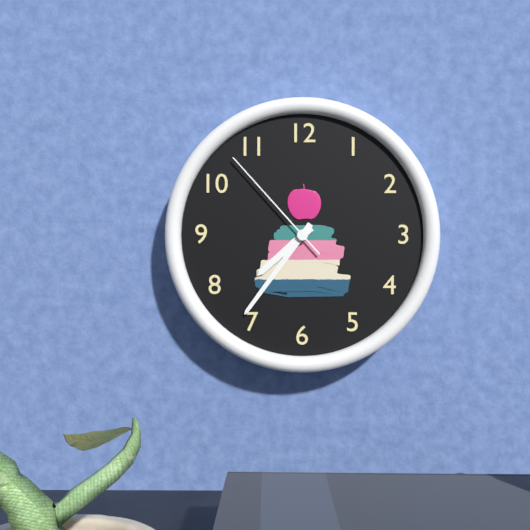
**7:36:53**
